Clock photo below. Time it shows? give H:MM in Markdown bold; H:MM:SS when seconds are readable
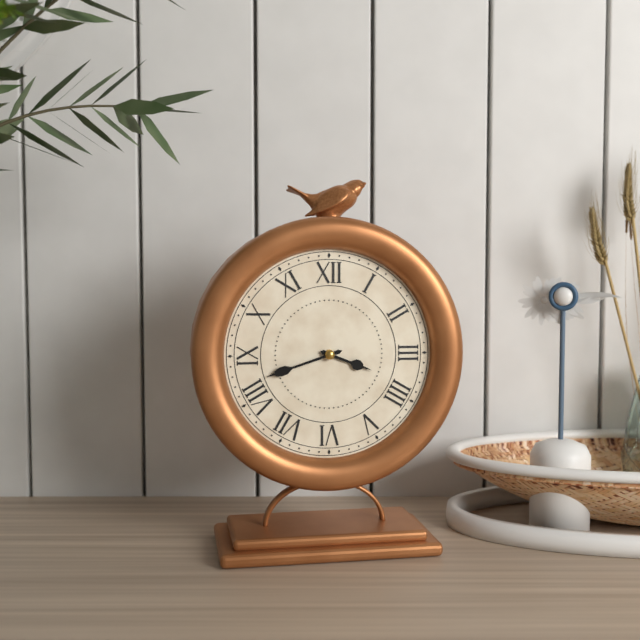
**3:42**
